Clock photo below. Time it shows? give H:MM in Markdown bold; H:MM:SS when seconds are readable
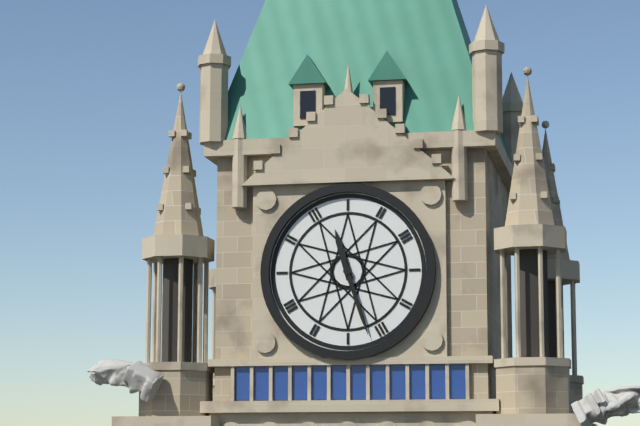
**11:27**
